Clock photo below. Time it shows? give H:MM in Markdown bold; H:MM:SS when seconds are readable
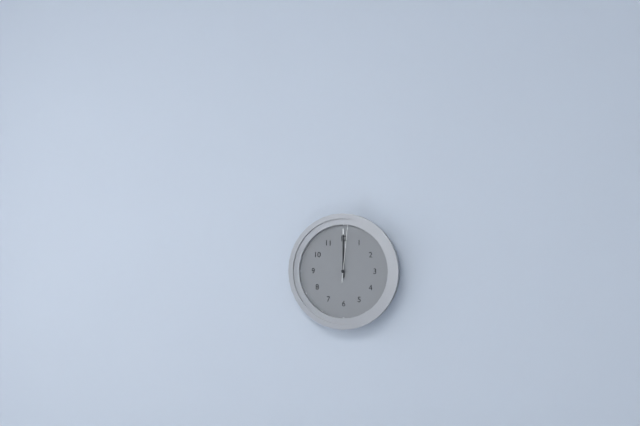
**12:00:01**
